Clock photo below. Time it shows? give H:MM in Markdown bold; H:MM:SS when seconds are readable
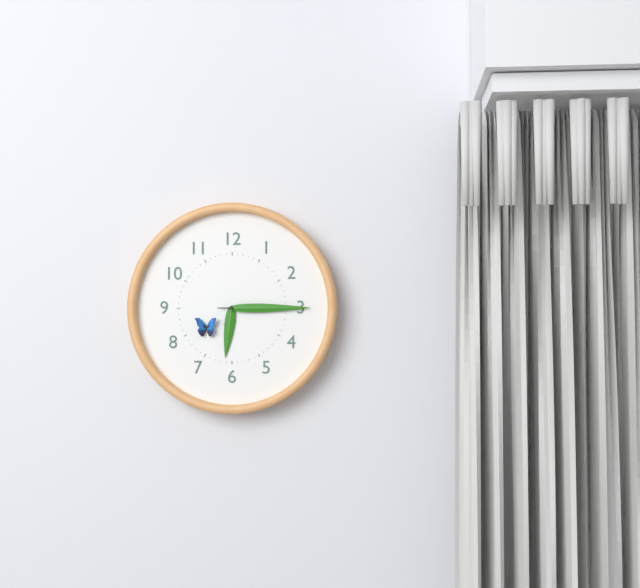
**6:15**
